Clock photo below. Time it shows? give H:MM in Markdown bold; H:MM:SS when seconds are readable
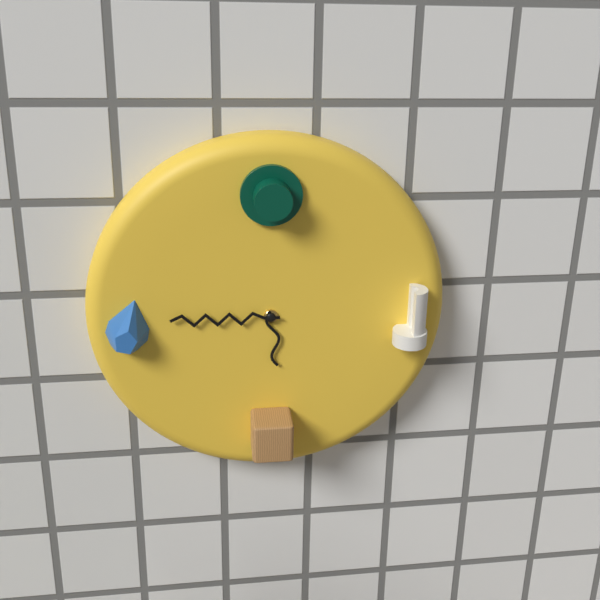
**5:45**
